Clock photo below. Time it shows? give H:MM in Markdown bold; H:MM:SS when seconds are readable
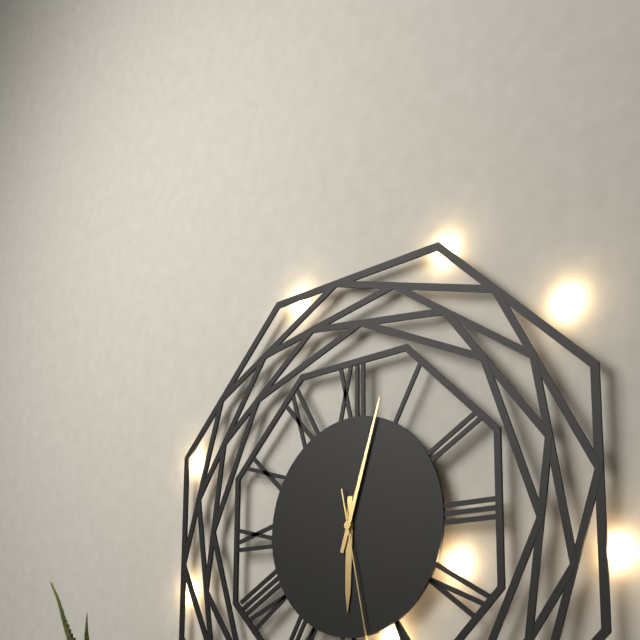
**6:03**
